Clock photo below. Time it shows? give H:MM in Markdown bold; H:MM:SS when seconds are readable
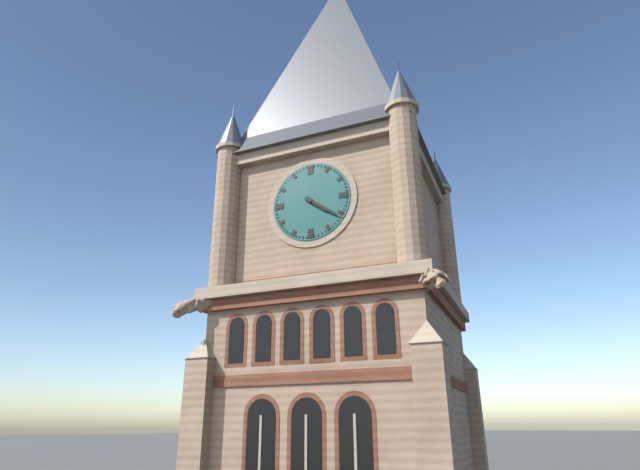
**4:21**
